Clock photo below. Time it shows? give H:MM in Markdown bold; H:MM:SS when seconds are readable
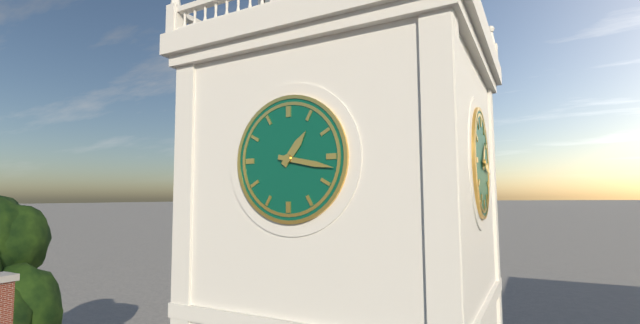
**1:17**
